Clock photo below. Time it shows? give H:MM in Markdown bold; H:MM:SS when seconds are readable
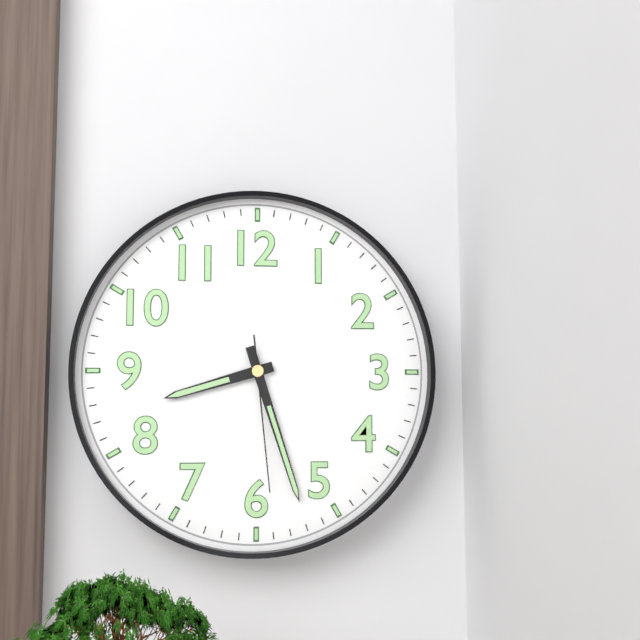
**8:27:29**
